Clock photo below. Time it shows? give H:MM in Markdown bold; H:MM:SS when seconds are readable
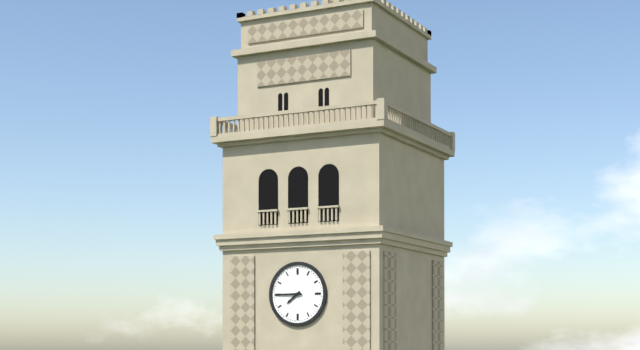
**7:45**
